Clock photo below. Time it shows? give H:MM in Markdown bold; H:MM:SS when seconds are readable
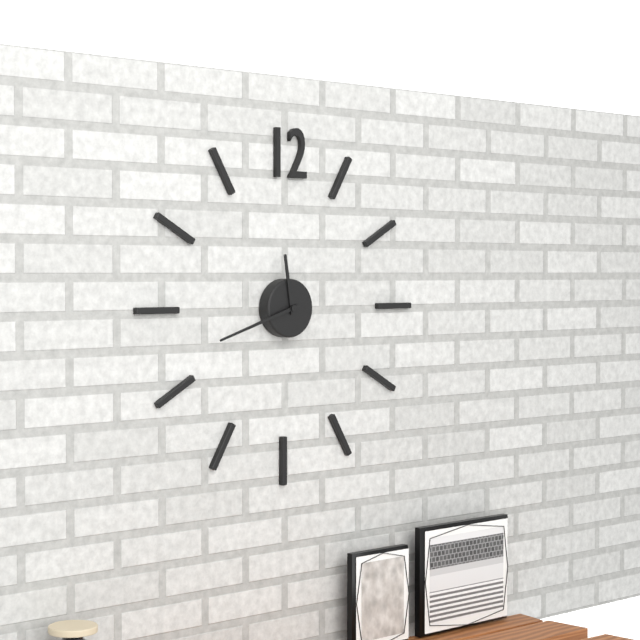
**11:42**
